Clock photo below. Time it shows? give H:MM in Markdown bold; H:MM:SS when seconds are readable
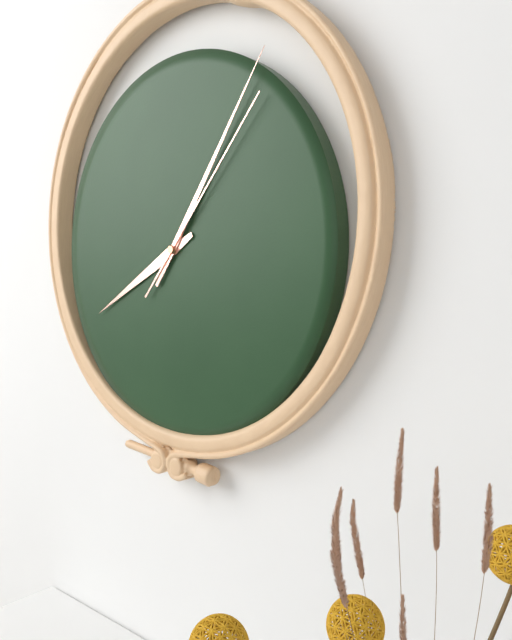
**8:06:07**
